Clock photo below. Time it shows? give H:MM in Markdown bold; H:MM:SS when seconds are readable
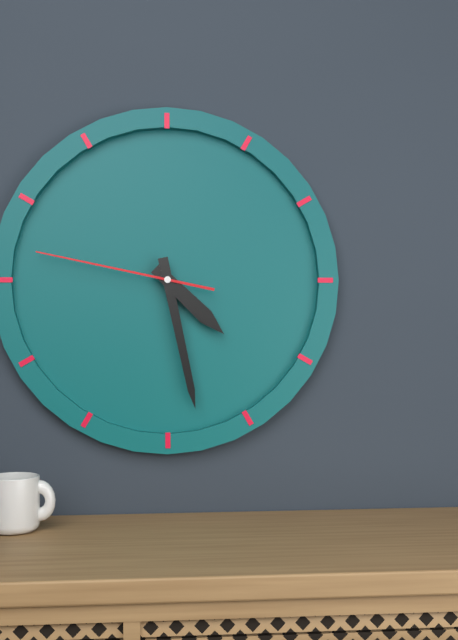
**4:28:47**
